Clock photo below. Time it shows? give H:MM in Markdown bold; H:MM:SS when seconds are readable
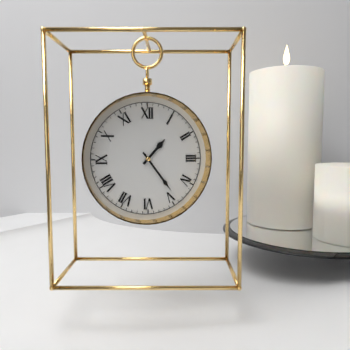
**1:24**
